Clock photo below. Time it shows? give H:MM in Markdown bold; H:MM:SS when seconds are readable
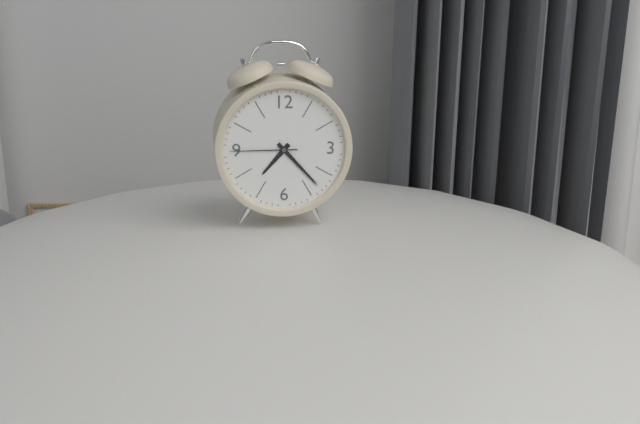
**7:23:45**
